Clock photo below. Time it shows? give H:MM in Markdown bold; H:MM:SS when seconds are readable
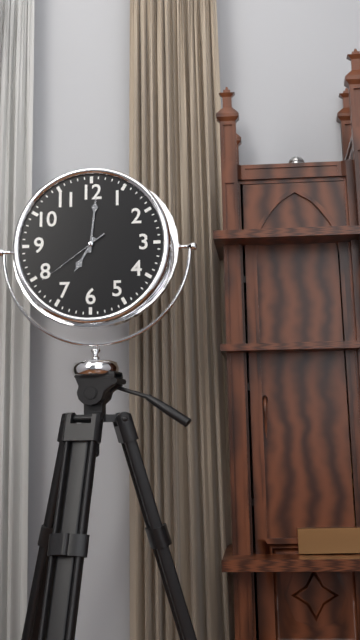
**7:01:39**
